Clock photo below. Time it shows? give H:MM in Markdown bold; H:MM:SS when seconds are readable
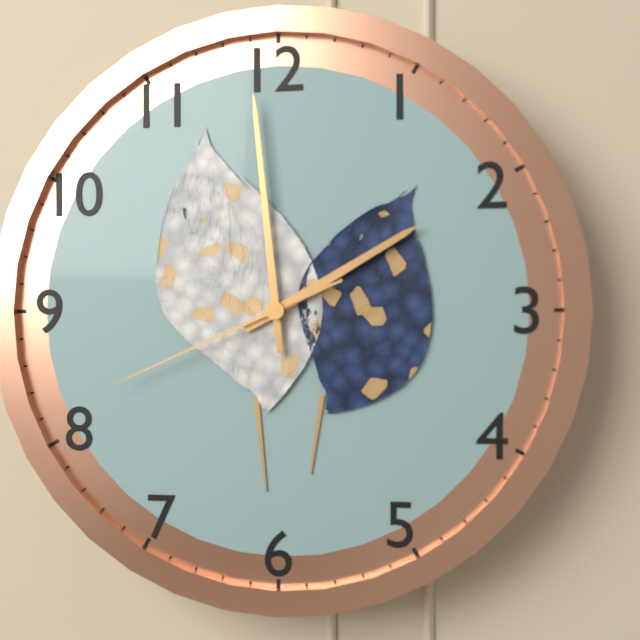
**1:59:41**
